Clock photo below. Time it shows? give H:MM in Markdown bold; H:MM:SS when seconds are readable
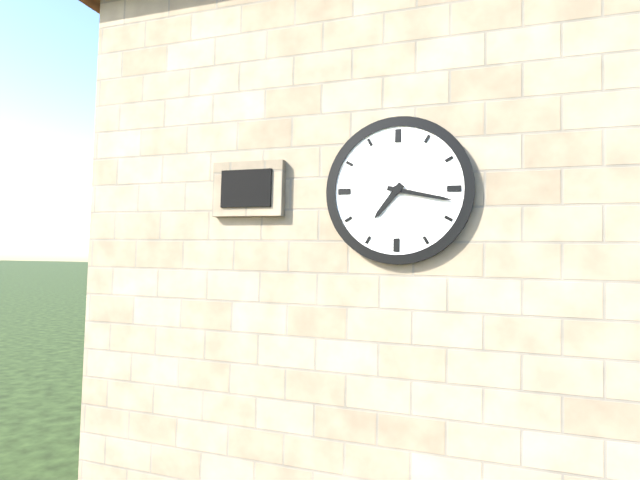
**7:17**
